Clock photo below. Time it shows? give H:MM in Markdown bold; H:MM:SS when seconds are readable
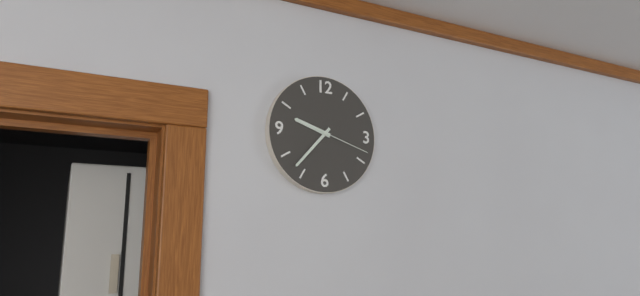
**9:37:18**
